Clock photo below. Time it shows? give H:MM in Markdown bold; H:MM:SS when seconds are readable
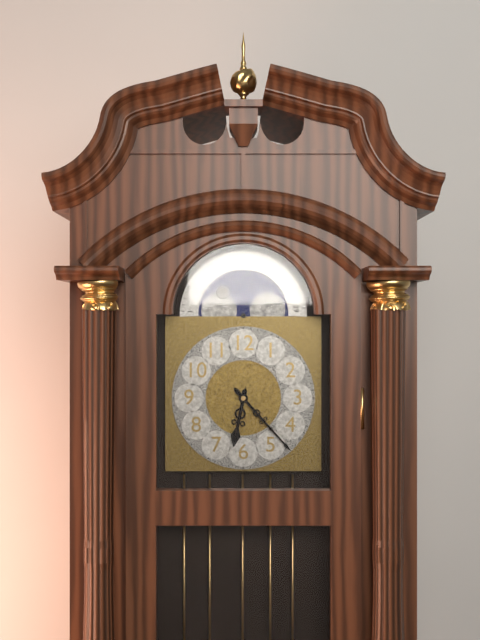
**6:23**
